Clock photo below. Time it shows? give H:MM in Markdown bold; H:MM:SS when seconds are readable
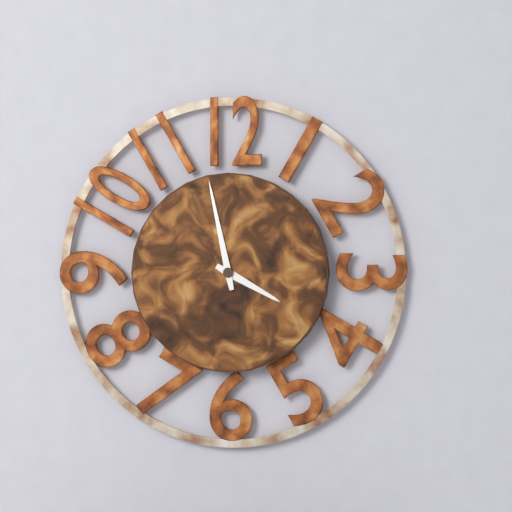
**3:58**
